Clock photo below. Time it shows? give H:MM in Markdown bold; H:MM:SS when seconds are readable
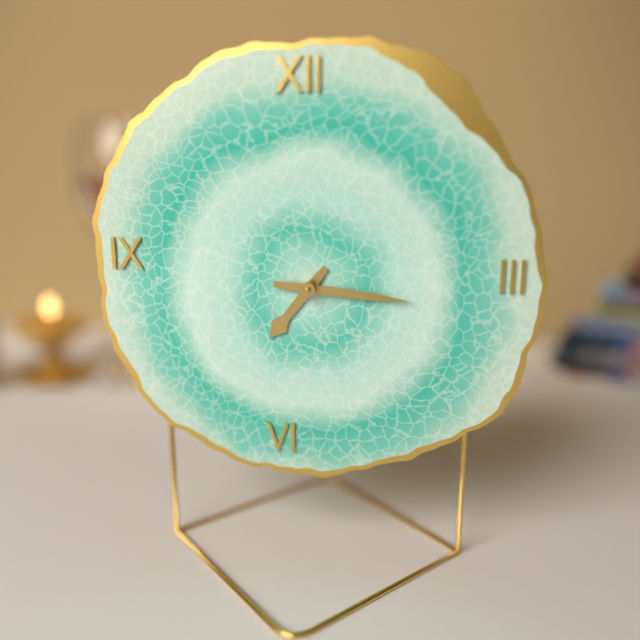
**7:16**
